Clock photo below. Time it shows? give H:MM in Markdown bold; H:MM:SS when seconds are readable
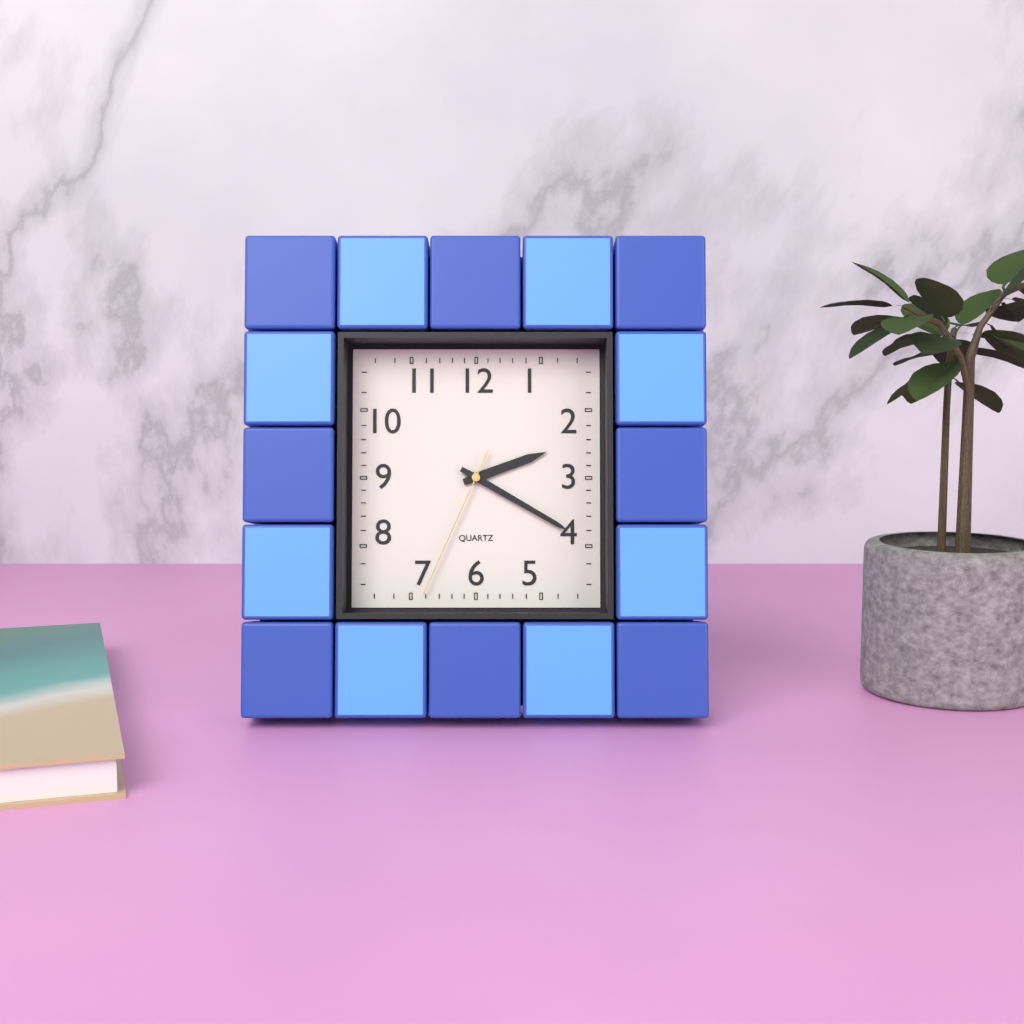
**2:20:34**
